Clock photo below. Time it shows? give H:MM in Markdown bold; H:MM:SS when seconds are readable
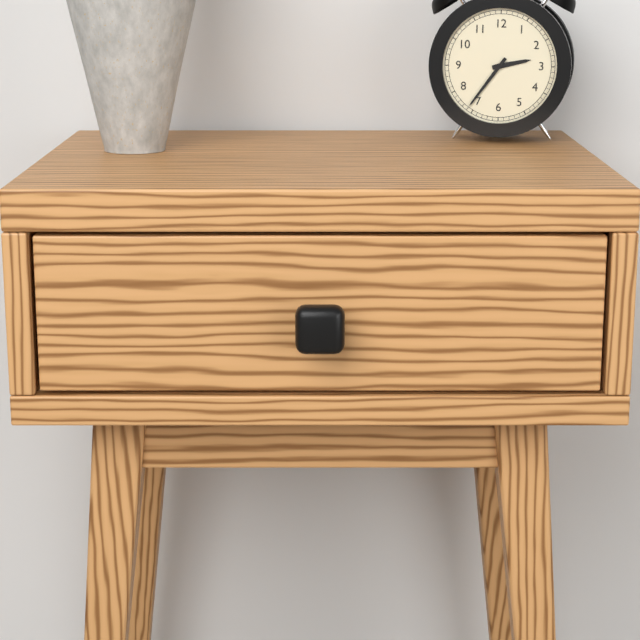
**2:36**
